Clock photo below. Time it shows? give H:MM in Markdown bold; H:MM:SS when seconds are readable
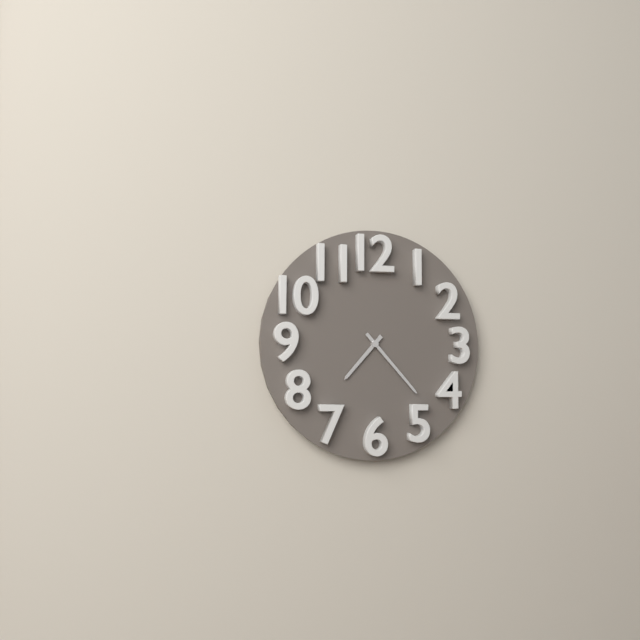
**7:23**
